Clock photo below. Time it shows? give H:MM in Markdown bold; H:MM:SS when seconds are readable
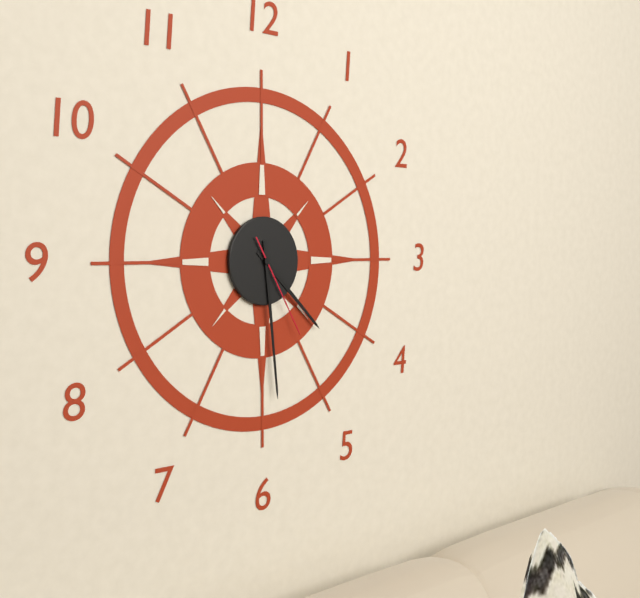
**4:29:25**
